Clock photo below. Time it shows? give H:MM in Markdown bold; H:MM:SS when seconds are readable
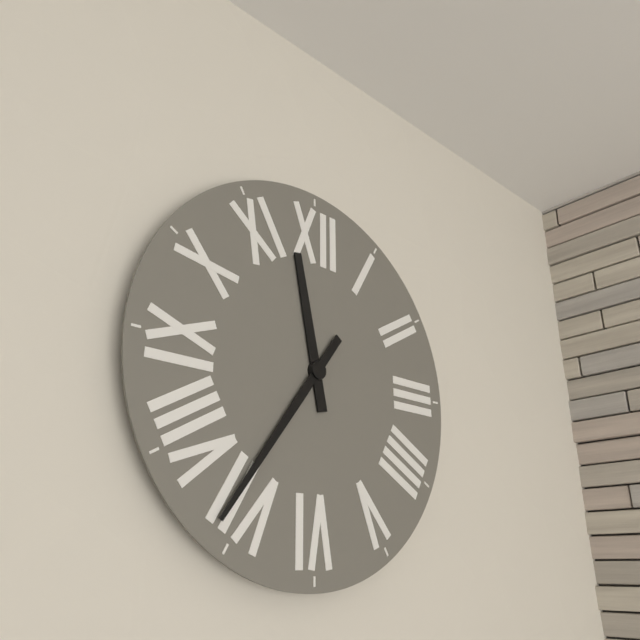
**11:36**
